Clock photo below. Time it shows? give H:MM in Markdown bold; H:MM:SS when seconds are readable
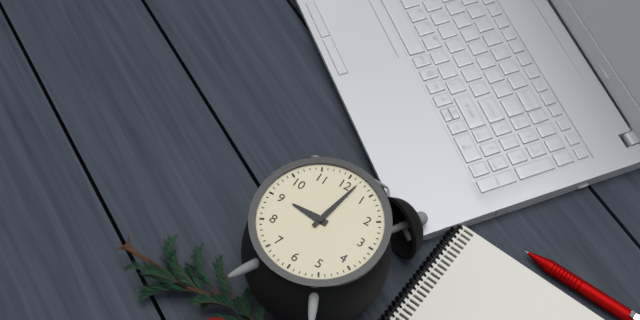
**9:02**
